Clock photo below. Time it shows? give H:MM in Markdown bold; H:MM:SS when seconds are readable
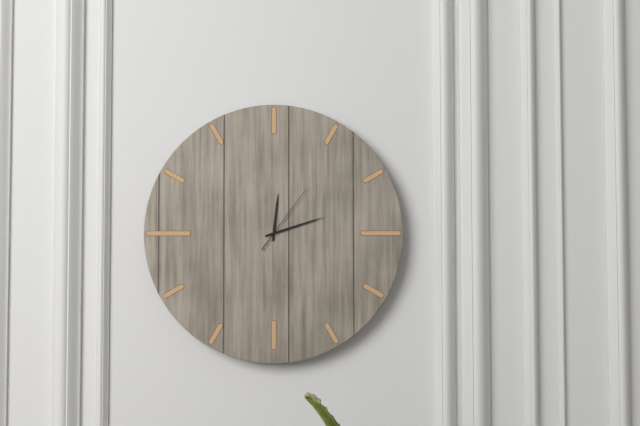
**12:12:06**
